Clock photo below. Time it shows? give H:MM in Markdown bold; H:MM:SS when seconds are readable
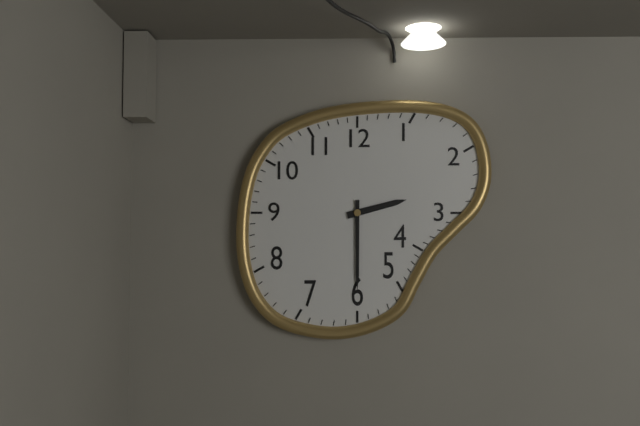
**2:30**
